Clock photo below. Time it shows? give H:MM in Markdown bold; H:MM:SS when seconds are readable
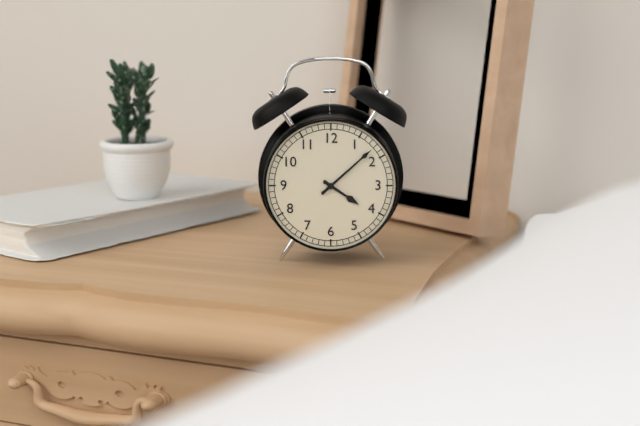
**4:08**
